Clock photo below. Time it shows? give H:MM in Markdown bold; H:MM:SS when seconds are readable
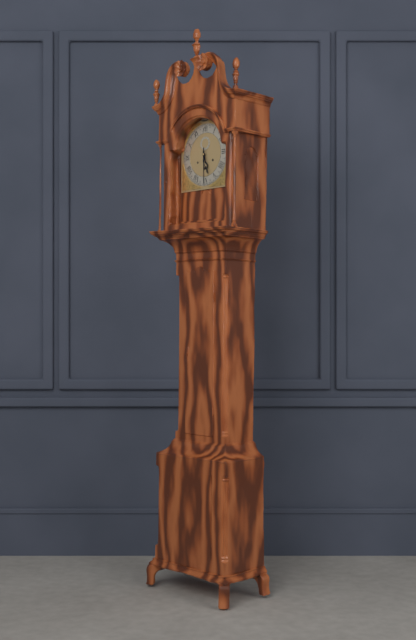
**5:30**
